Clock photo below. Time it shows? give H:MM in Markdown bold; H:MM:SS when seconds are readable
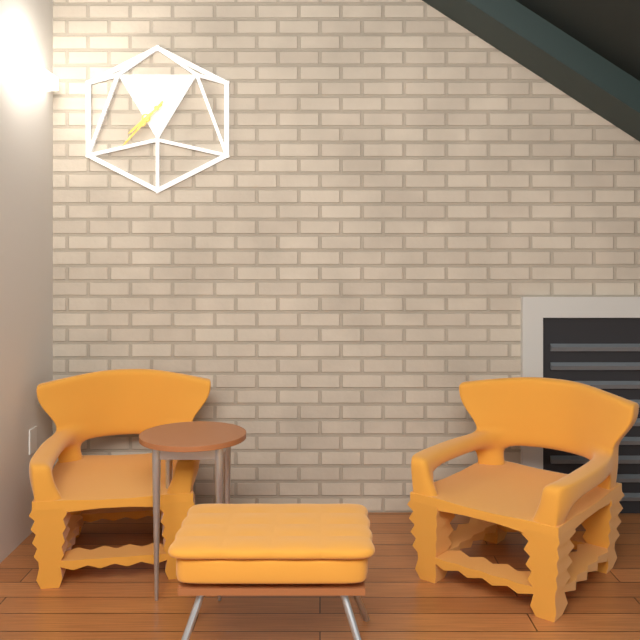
**7:37**
